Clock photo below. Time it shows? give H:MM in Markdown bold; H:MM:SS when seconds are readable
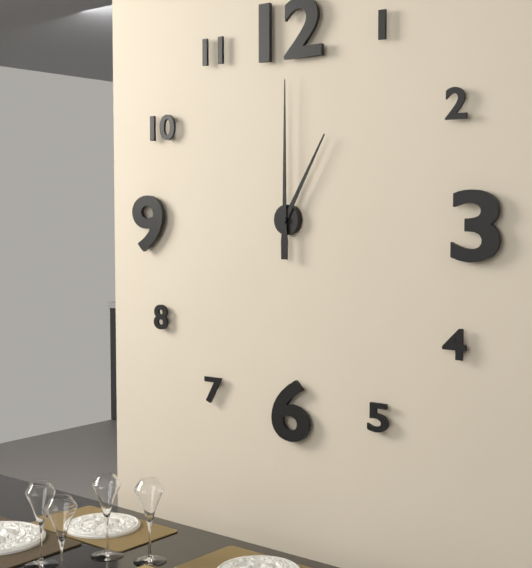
**1:00**
